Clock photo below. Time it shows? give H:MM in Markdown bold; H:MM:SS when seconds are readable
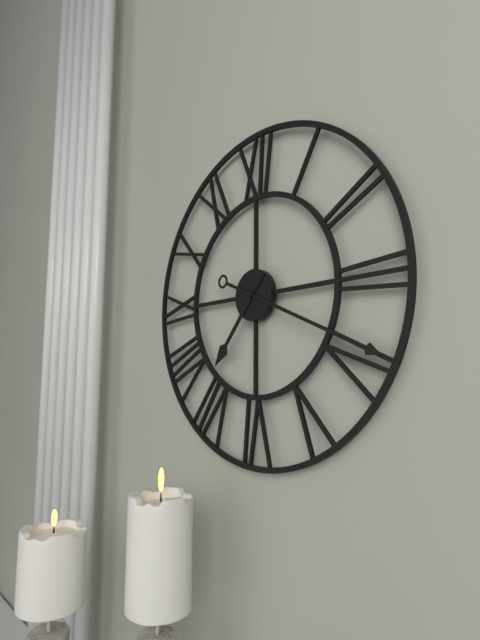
**7:19**
